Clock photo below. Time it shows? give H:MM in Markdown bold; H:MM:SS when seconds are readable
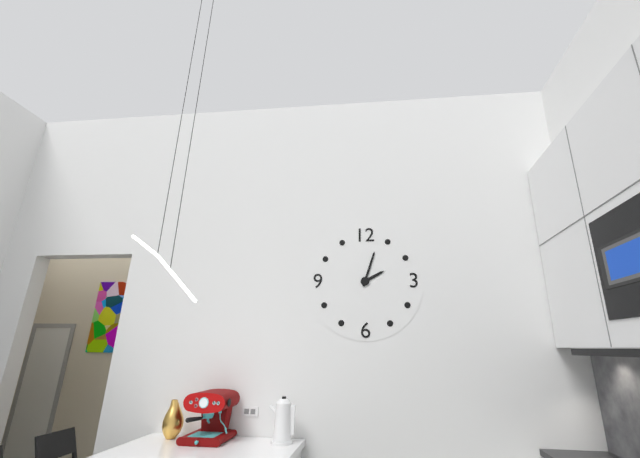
**2:03**
